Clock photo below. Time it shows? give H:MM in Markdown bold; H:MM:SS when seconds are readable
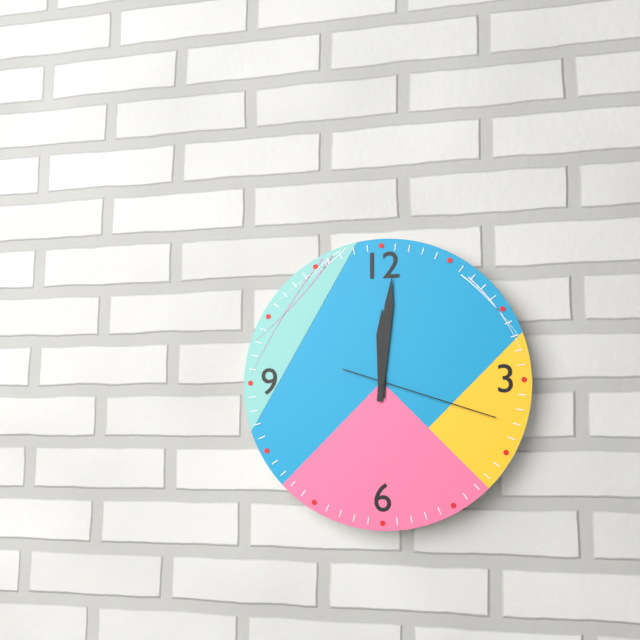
**12:01:18**
